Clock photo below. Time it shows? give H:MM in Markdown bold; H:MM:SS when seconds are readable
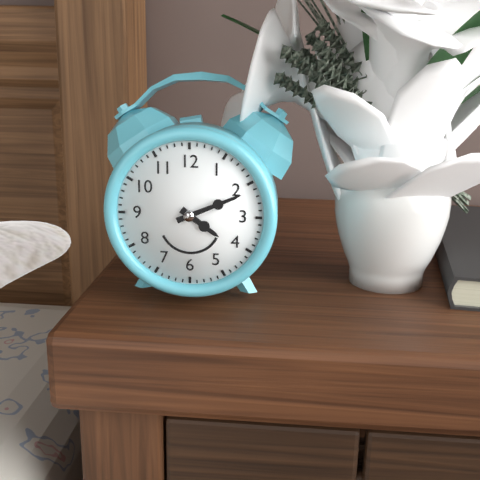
**4:11**
